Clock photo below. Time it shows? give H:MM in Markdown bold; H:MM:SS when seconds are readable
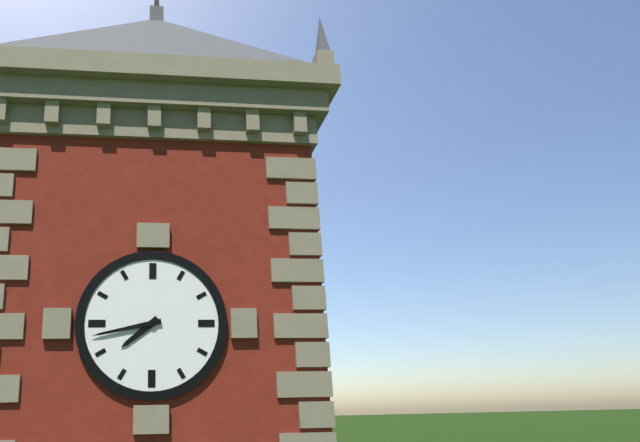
**7:43**
